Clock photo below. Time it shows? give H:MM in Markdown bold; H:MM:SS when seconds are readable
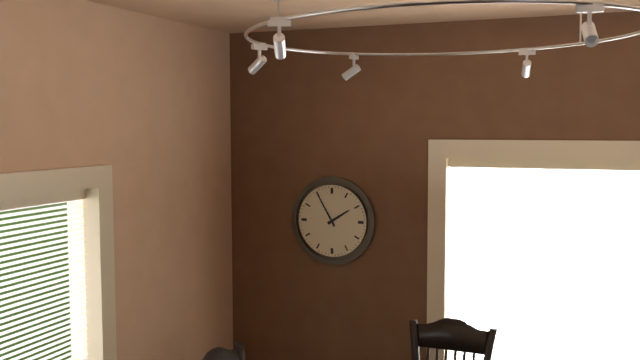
**1:55**
